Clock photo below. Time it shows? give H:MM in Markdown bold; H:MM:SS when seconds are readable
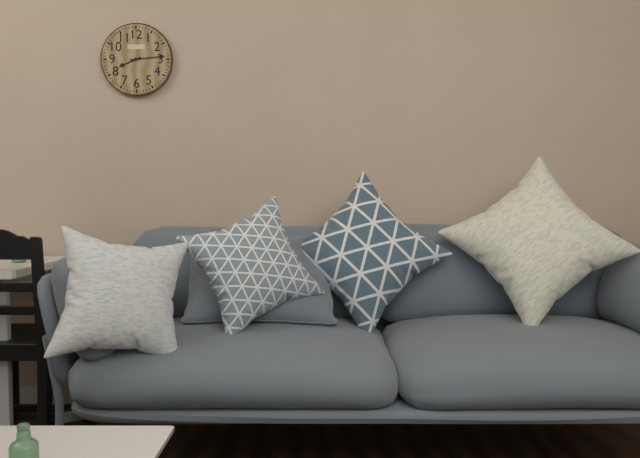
**8:14**
